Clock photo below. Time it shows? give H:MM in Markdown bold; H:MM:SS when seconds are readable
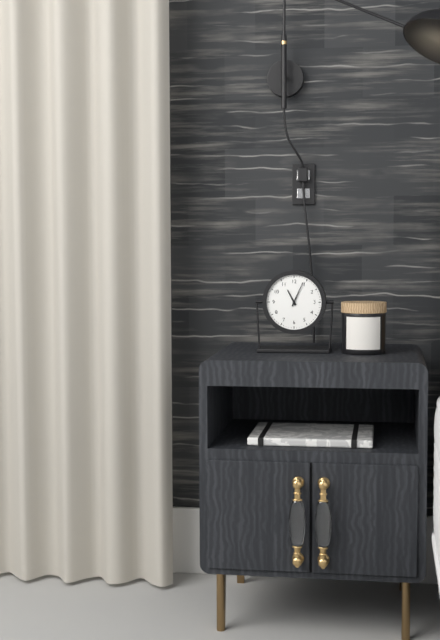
**11:04**
